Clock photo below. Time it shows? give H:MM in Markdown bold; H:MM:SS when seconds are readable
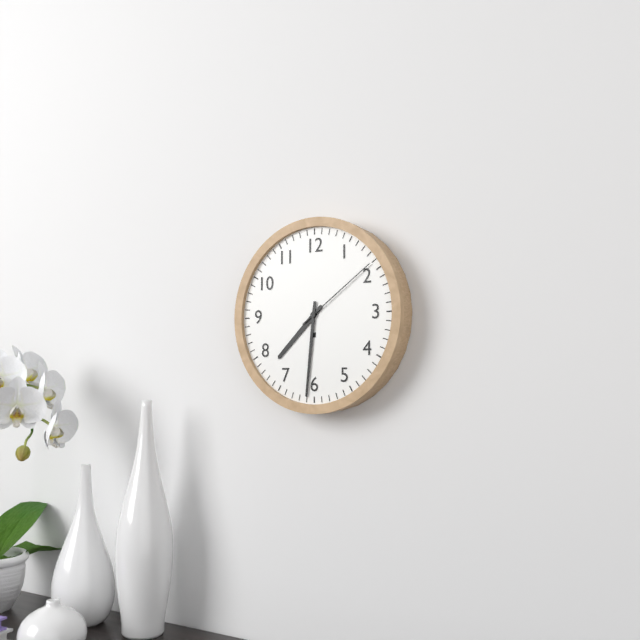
**7:31:09**
